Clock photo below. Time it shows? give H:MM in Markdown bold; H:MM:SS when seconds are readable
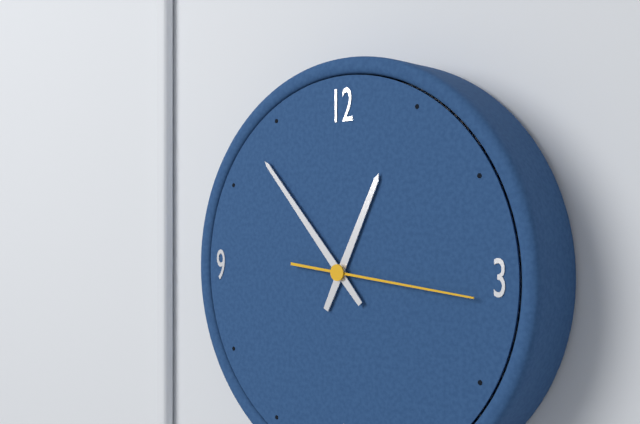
**12:53:16**
